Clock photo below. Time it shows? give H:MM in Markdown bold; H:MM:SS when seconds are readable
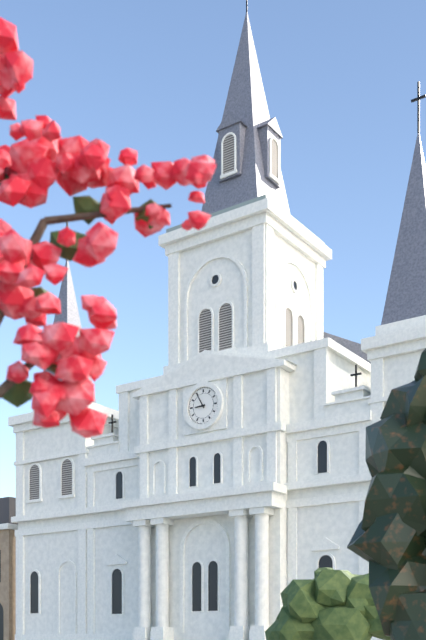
**8:55**
